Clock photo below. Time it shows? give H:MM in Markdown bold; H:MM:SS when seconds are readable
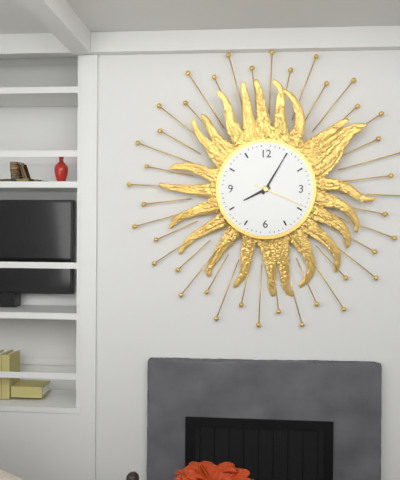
**8:05:19**
